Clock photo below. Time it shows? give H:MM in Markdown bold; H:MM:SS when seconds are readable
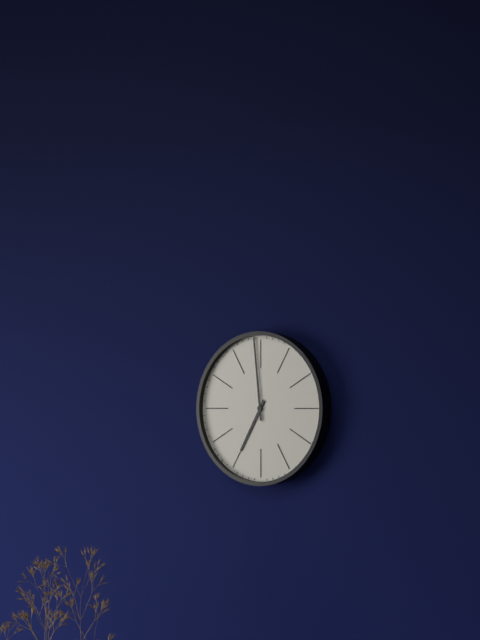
**6:59**
